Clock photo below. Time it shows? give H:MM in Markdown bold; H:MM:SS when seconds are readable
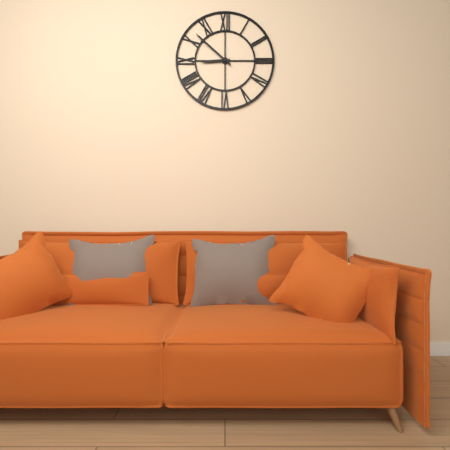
**8:52**
